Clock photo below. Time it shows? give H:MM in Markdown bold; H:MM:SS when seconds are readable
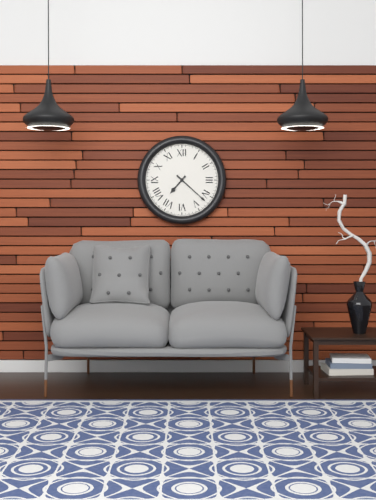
**7:22**
